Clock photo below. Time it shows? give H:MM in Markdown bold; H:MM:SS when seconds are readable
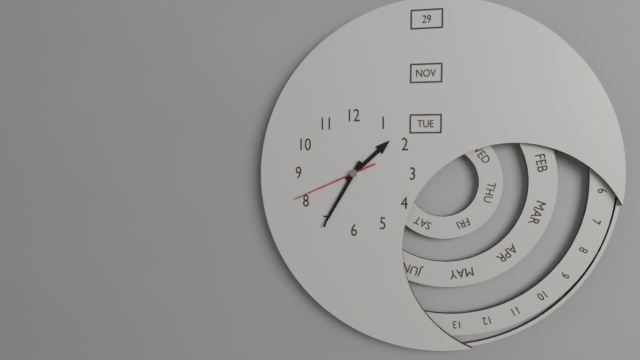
**1:35:41**
